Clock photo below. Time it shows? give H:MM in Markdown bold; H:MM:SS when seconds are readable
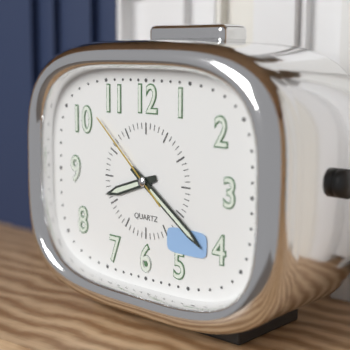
**8:21:52**
